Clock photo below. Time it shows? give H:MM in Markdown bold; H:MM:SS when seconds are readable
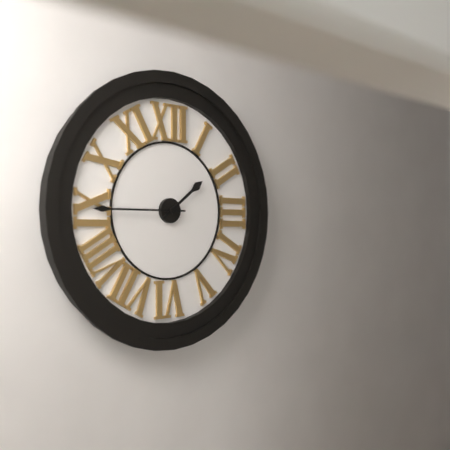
**1:45**
